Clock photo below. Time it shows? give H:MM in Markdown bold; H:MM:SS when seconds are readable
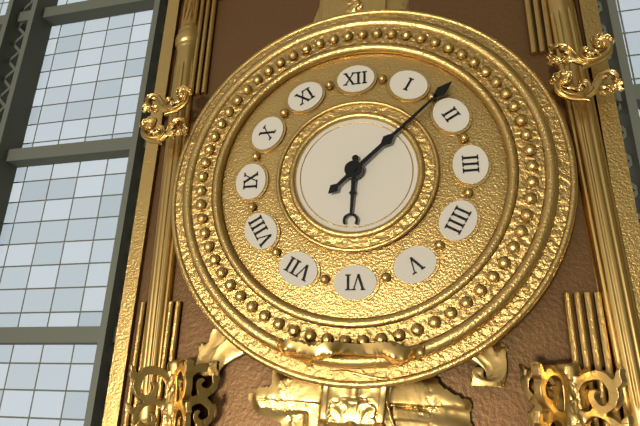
**6:08**
